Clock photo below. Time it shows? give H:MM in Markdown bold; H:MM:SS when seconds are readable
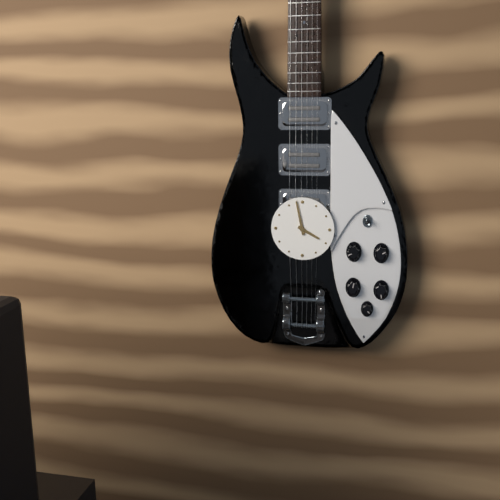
**3:58**
